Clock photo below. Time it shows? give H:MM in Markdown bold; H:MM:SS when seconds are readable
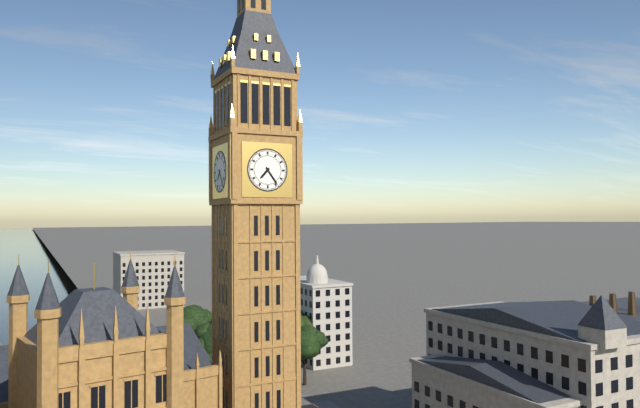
**7:24**
